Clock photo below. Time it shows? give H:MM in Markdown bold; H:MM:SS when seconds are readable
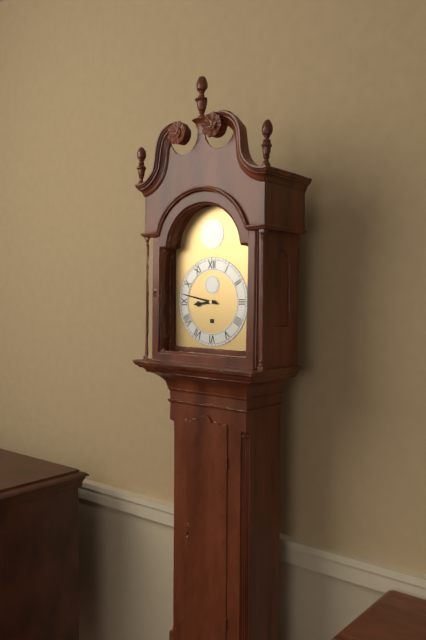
**8:47**
